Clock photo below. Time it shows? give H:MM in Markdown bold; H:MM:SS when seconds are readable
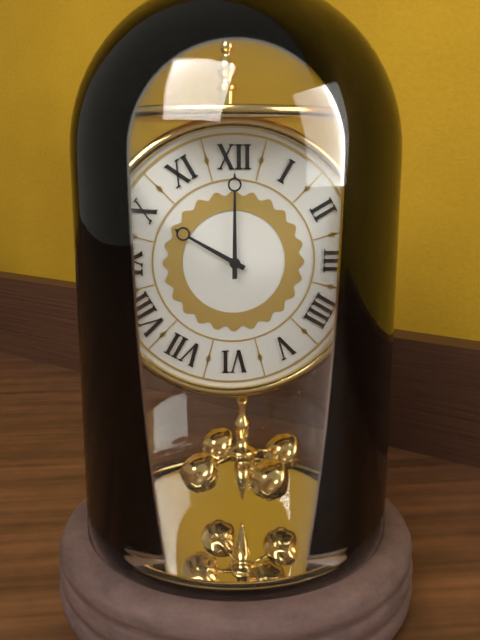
**10:00**
